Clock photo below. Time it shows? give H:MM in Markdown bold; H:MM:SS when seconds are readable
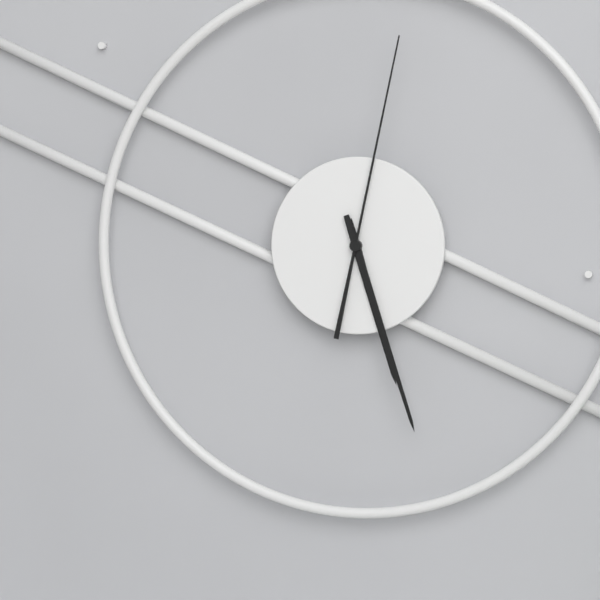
**5:27:02**
